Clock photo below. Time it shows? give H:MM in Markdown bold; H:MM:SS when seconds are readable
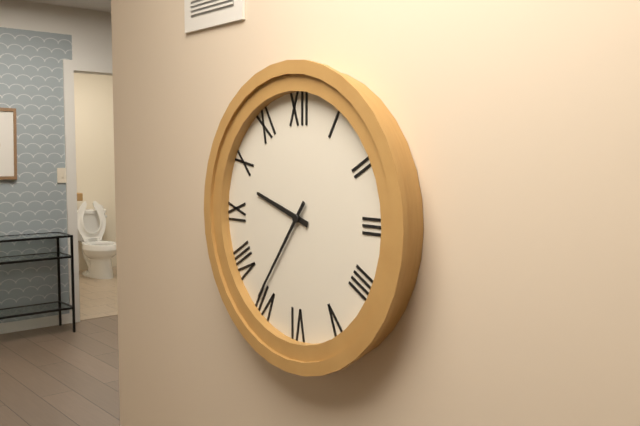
**9:36**
